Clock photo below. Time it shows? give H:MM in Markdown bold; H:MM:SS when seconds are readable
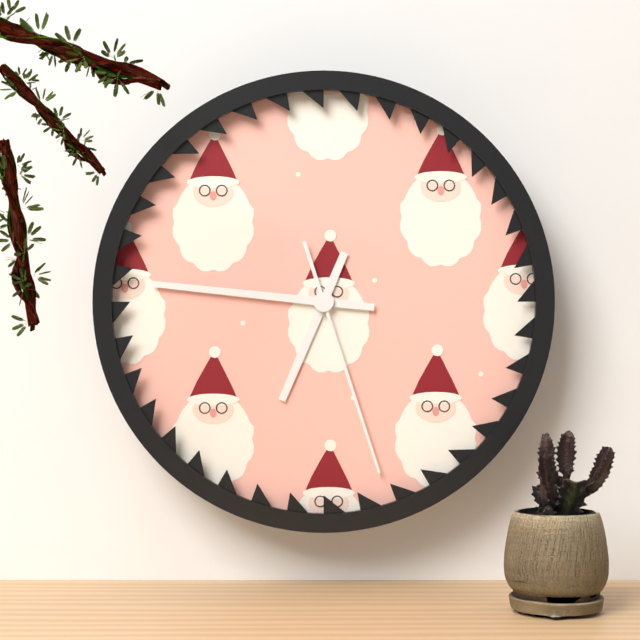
**6:46:27**
